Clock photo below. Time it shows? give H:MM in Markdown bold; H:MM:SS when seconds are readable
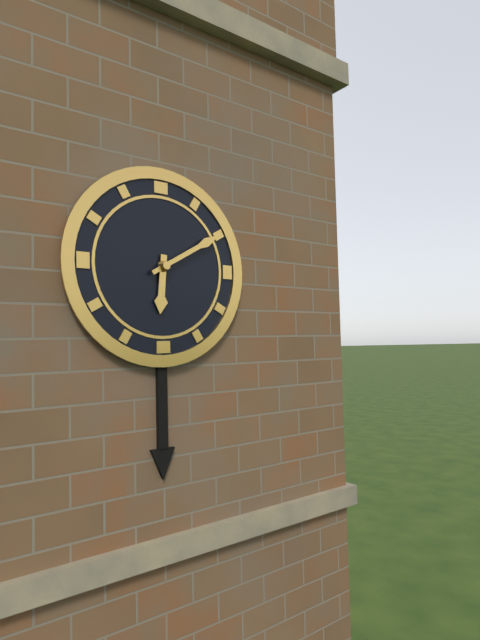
**6:10**
